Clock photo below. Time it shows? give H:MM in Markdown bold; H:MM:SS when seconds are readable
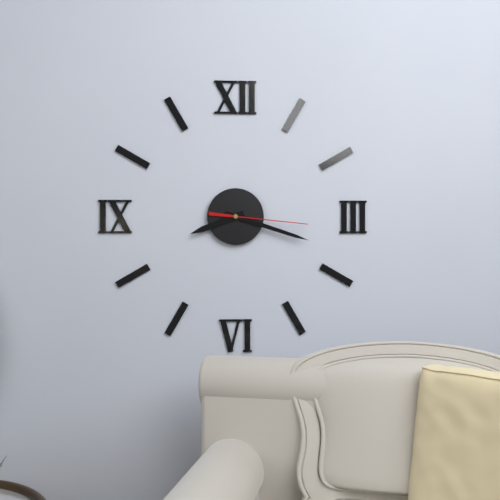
**8:18:16**
